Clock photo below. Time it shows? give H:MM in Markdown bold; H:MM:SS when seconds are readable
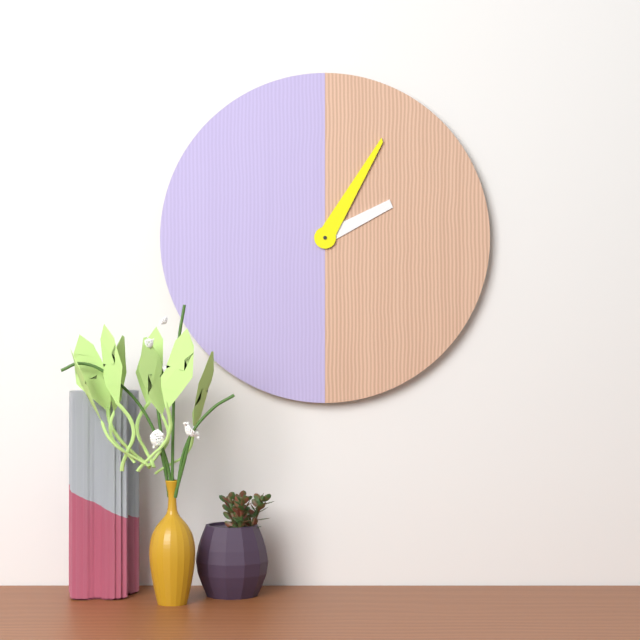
**2:05**
